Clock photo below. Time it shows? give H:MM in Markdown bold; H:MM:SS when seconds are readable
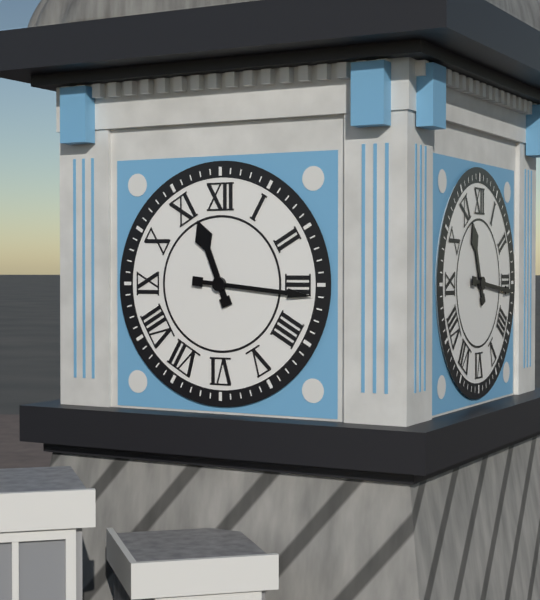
**11:16**
